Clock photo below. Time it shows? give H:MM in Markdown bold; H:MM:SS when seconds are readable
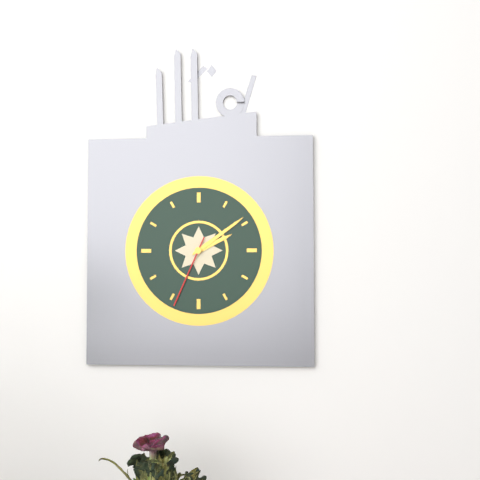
**2:09:34**
